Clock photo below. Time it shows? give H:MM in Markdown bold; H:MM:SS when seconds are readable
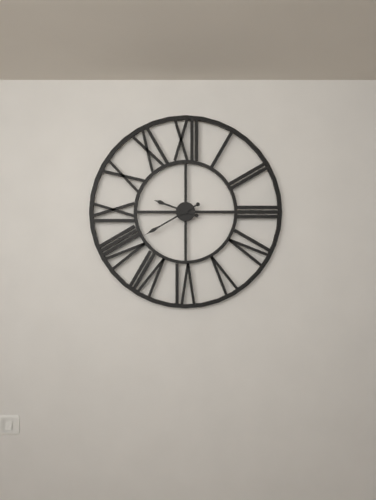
**9:40**
